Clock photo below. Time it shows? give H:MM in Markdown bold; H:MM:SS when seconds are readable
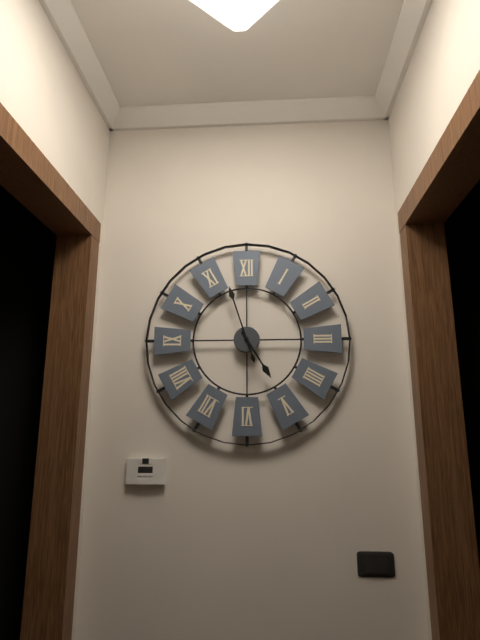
**4:57**
